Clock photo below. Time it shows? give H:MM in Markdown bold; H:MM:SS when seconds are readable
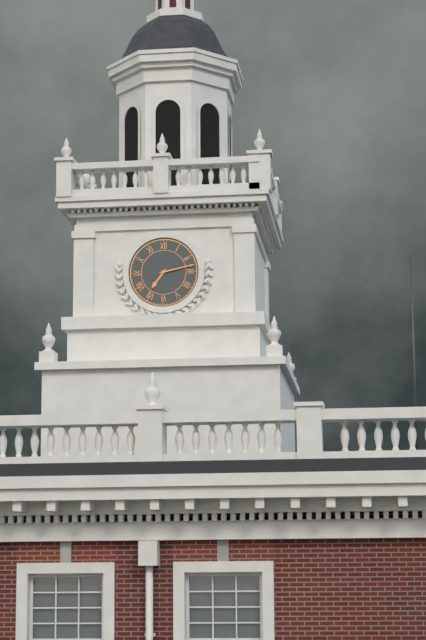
**7:13**
